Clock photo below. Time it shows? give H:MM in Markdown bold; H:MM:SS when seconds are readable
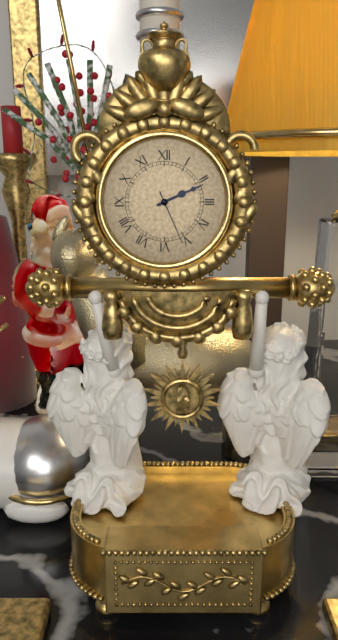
**2:11:26**
